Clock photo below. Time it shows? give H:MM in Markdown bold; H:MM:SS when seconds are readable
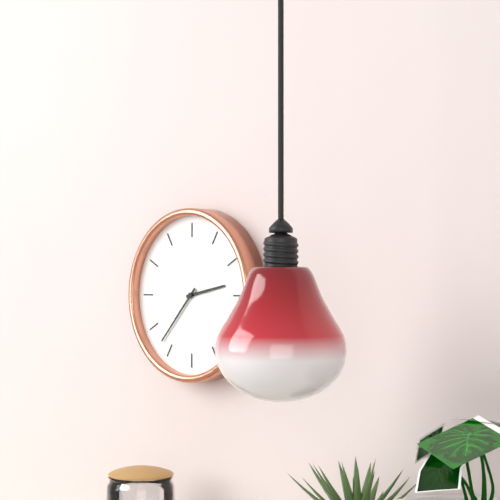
**2:37**
